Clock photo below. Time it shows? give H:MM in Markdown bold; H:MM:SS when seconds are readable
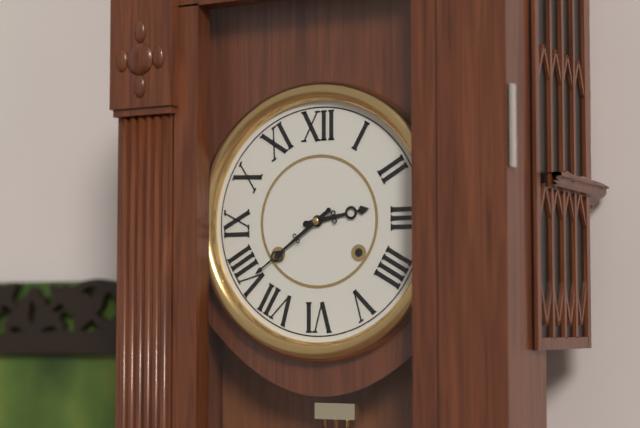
**2:39**
